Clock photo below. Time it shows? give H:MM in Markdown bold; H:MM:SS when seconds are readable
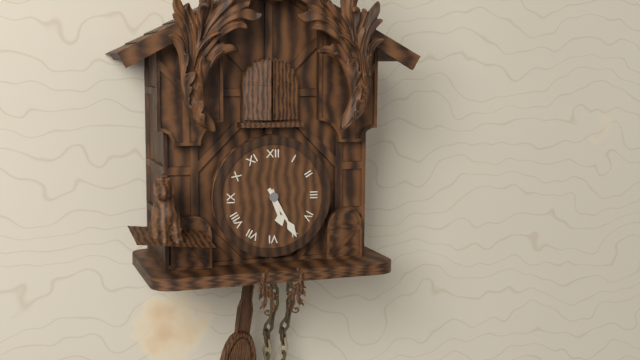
**5:25**
